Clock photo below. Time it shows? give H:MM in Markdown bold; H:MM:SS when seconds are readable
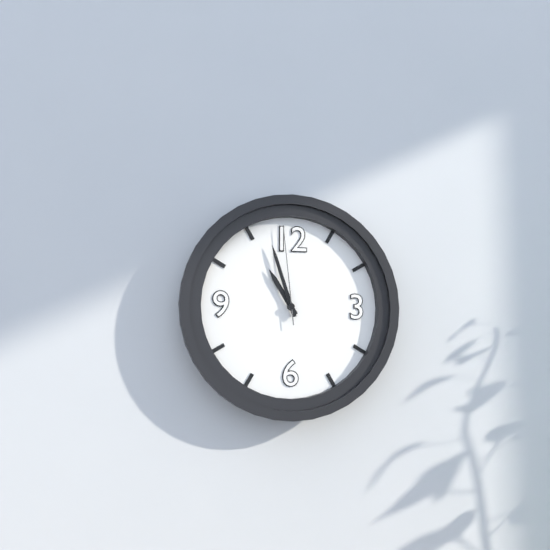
**10:57:59**
